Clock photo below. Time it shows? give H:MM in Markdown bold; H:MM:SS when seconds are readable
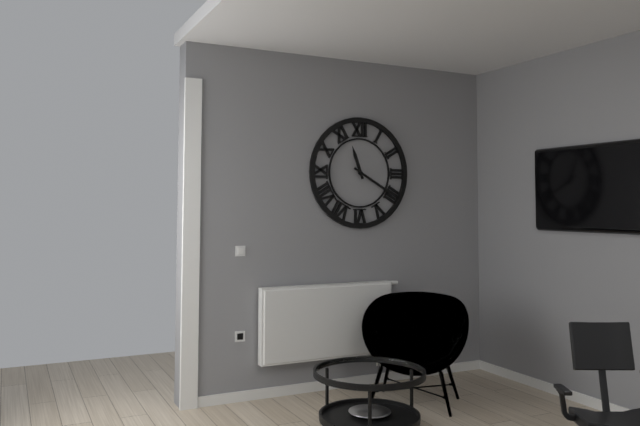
**11:20**
